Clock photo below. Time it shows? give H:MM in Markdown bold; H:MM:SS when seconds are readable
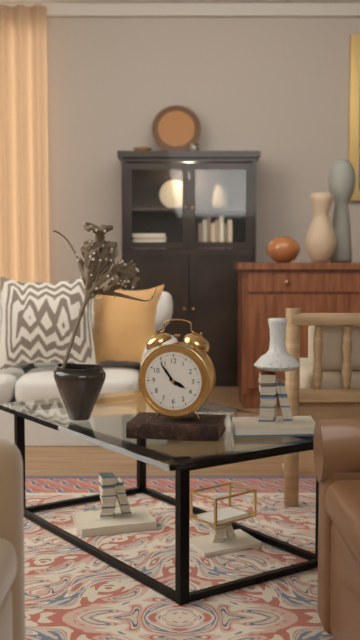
**3:54**
